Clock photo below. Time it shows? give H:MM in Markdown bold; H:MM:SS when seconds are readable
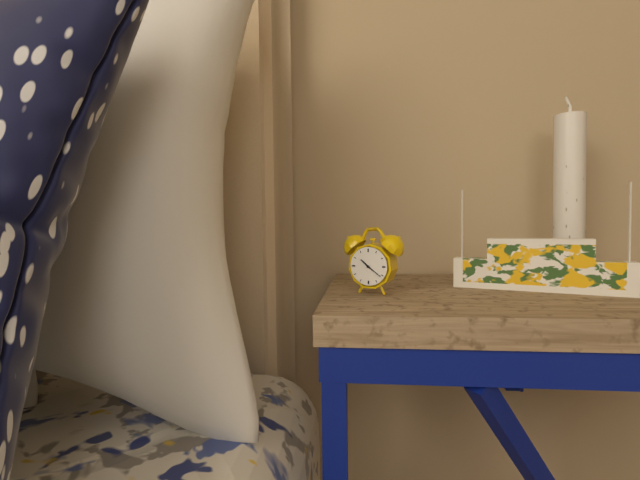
**10:21**
